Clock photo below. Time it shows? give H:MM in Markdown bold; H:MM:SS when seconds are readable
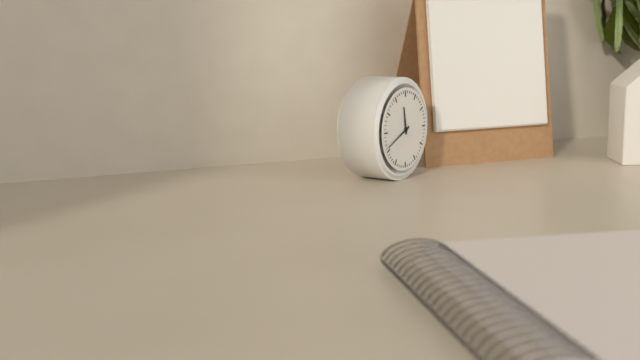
**11:41**
